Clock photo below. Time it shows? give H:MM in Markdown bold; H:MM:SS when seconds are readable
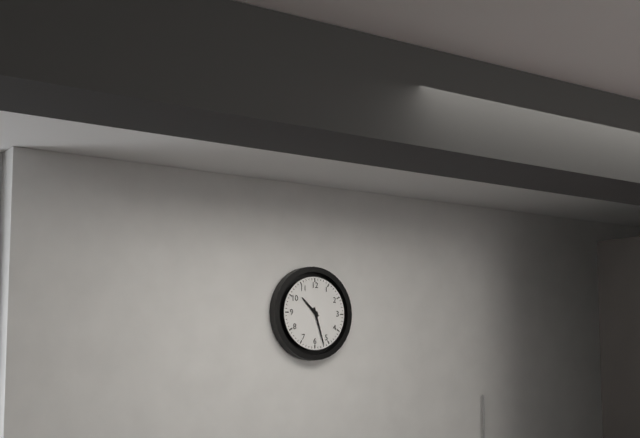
**10:27**
